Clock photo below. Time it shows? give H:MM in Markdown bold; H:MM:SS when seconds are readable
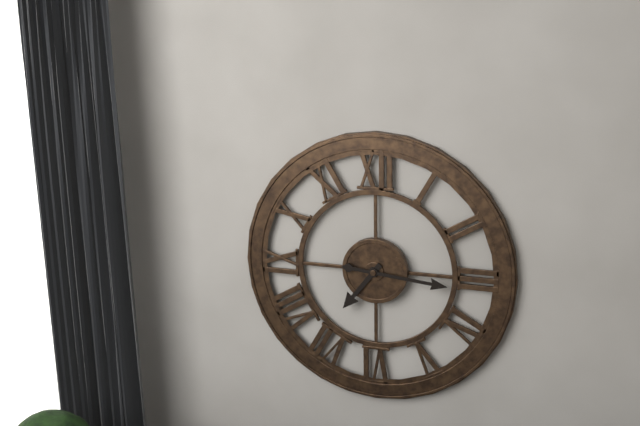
**7:16**
